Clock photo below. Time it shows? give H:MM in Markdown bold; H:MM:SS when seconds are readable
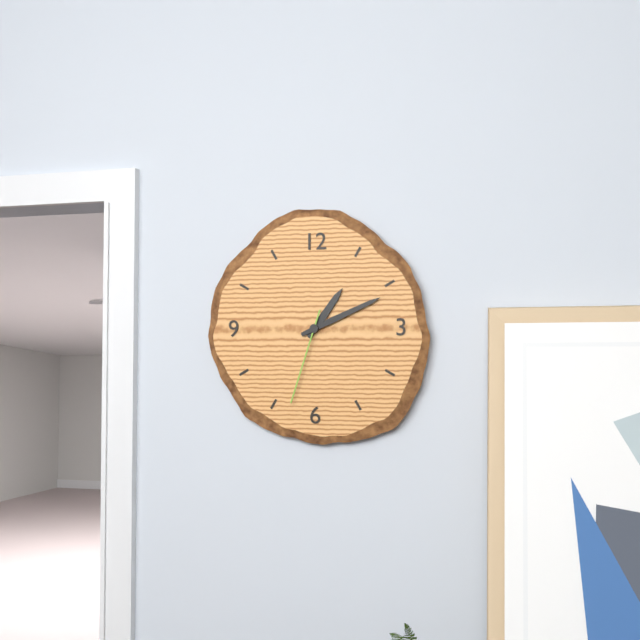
**1:11:33**
